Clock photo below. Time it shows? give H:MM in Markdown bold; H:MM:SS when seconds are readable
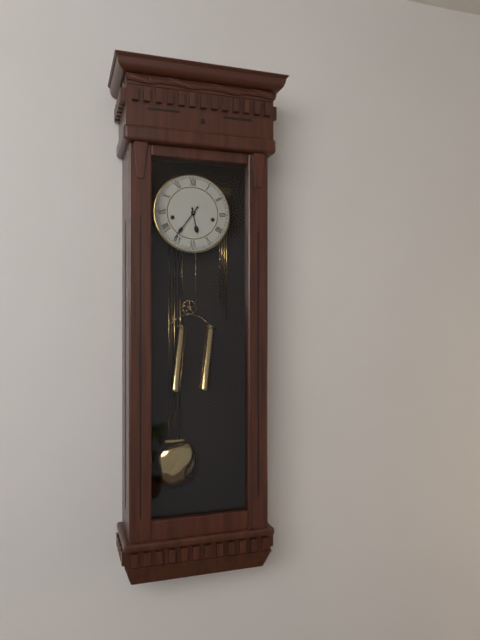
**5:36**
